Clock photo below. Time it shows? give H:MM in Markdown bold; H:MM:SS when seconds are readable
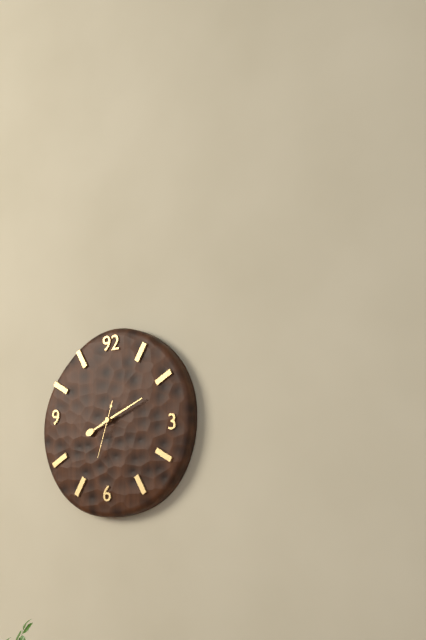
**8:11:33**
